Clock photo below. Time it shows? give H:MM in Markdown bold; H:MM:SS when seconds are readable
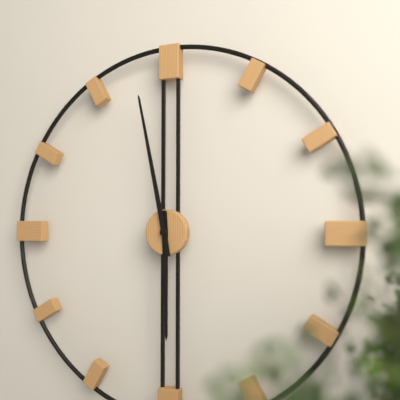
**5:58**
